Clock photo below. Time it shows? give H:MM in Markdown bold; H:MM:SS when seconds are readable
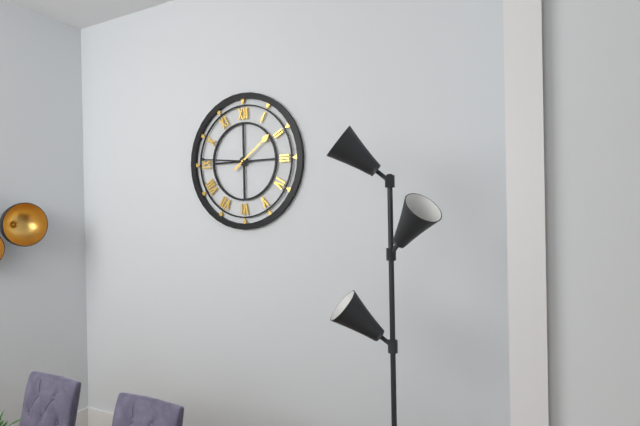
**1:46**
